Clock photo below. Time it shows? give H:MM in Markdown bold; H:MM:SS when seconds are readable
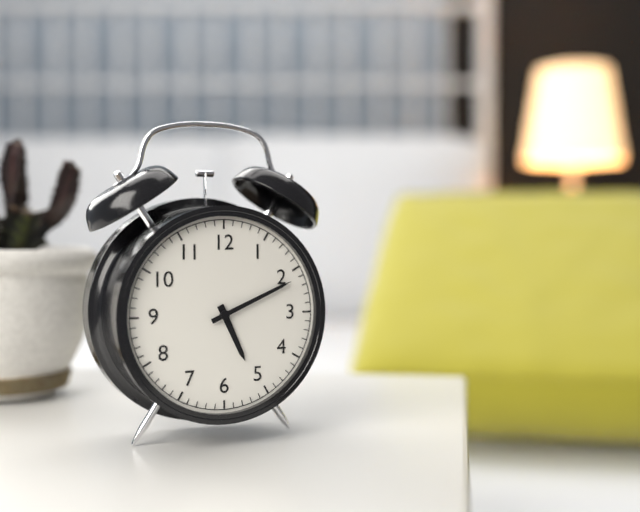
**5:11**
